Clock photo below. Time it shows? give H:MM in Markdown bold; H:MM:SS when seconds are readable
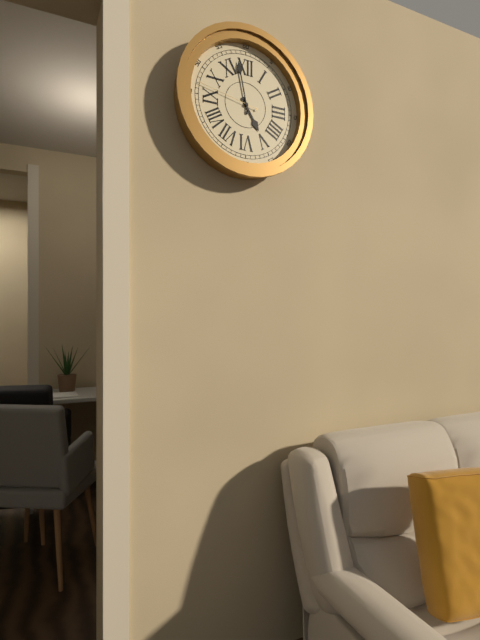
**4:58:47**
